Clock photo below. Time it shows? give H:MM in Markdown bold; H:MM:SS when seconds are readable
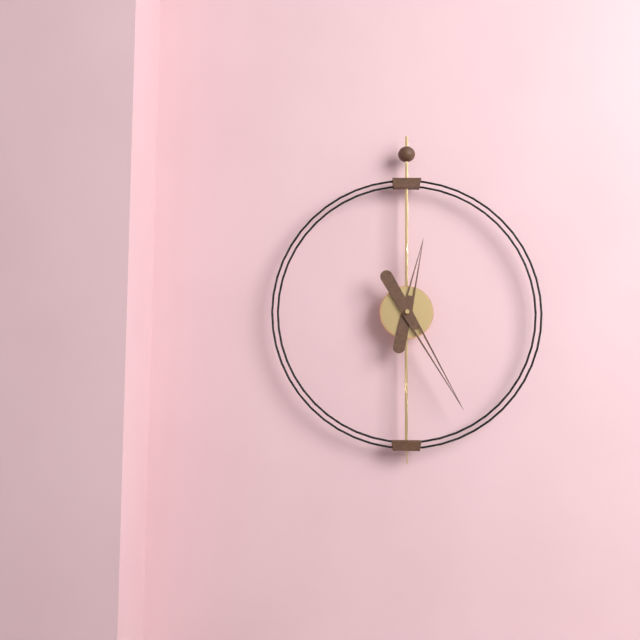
**12:25**
